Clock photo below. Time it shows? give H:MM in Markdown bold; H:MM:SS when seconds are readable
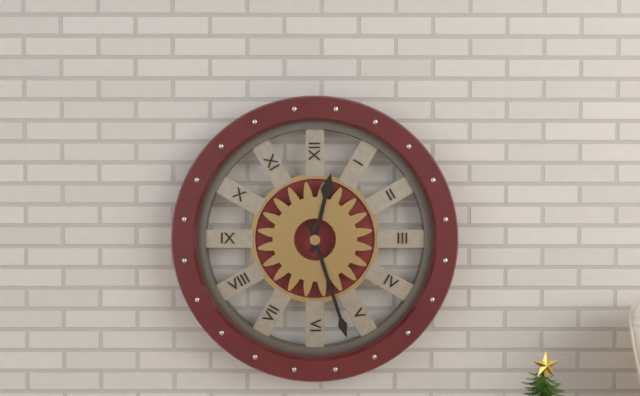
**12:27**
